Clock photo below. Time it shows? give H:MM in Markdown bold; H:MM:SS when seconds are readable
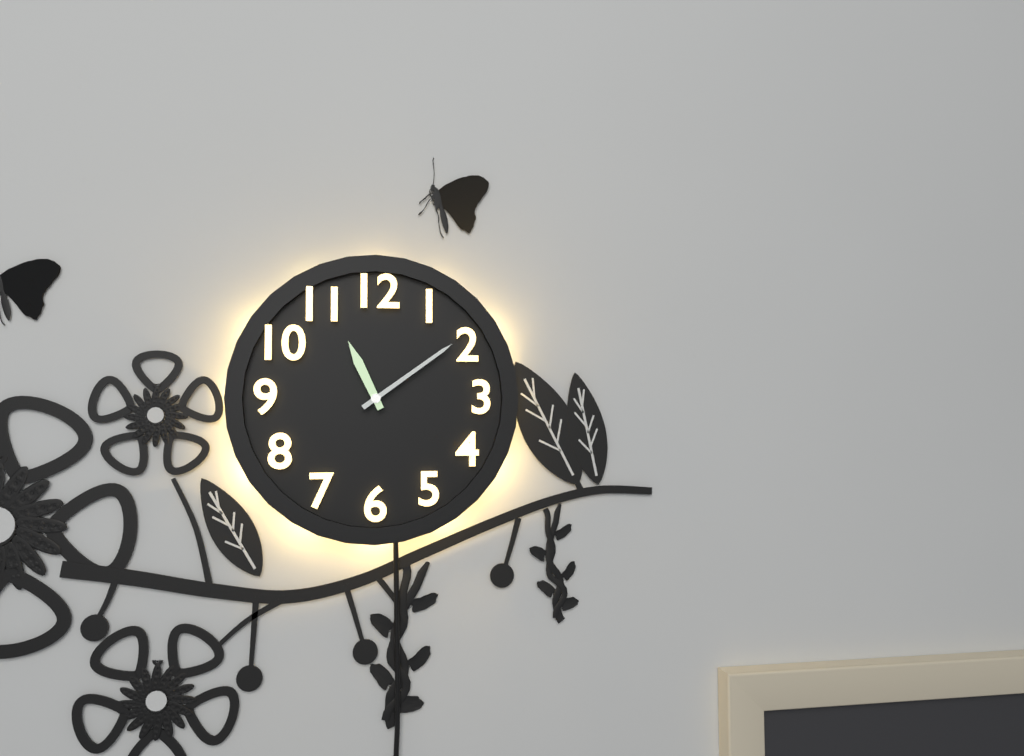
**11:09**
